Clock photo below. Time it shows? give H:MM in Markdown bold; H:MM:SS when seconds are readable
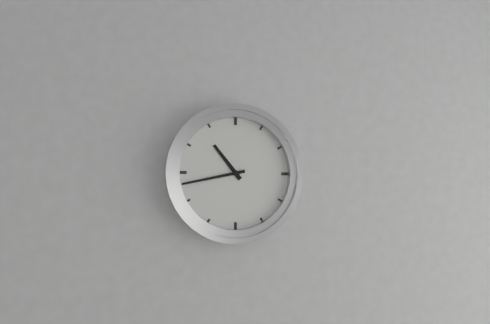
**10:43**
